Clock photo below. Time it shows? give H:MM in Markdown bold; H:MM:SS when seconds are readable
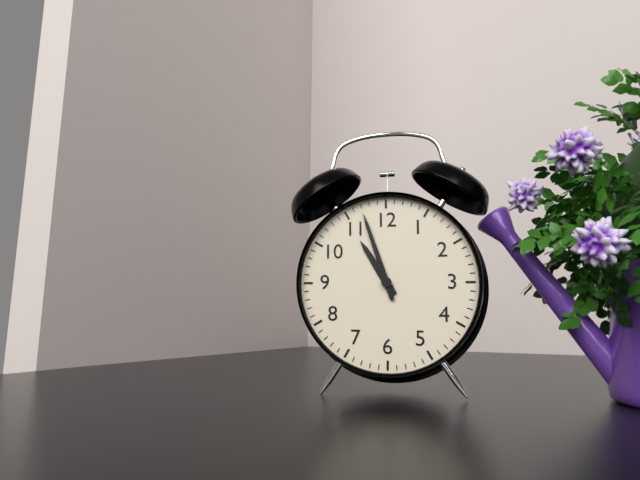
**10:57**
